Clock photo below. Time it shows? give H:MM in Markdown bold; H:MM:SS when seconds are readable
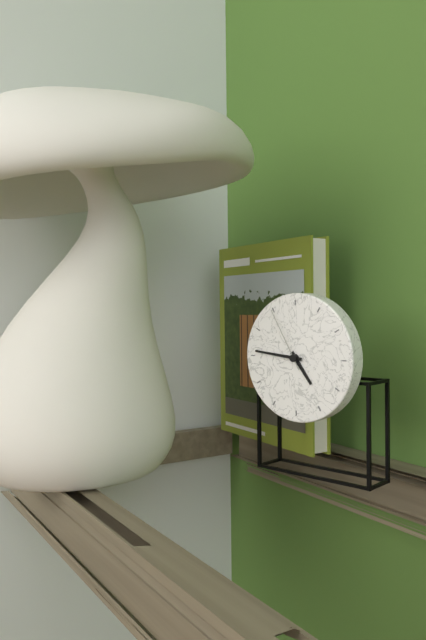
**4:46:55**
